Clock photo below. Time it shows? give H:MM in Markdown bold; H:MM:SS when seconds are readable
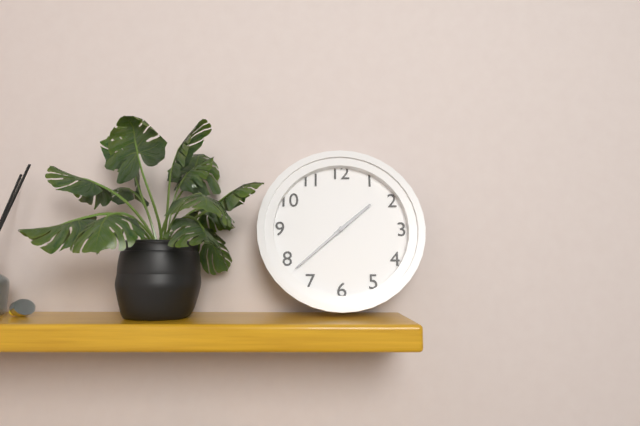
**1:38**
